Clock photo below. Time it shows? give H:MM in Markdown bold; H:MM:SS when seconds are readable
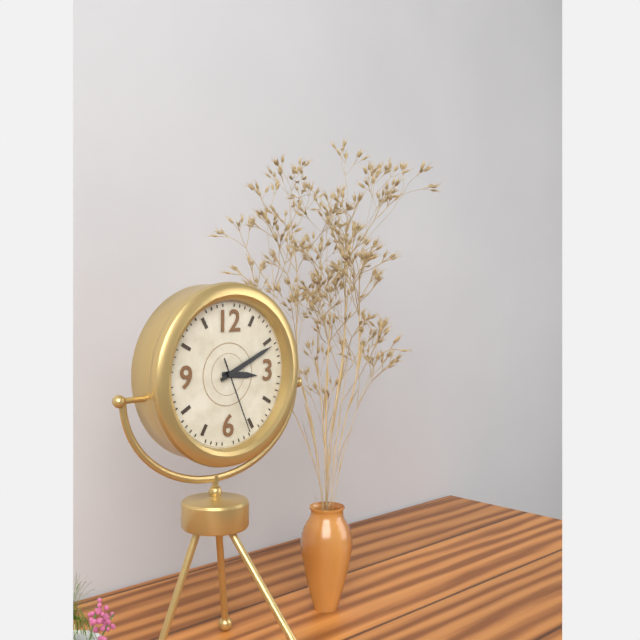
**3:11:26**
